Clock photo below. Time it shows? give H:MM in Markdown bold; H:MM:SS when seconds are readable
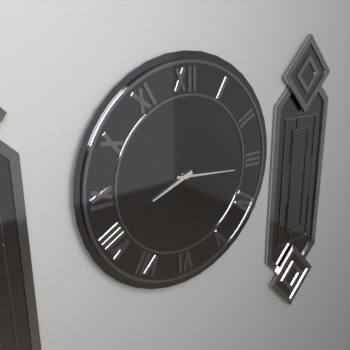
**8:16**
